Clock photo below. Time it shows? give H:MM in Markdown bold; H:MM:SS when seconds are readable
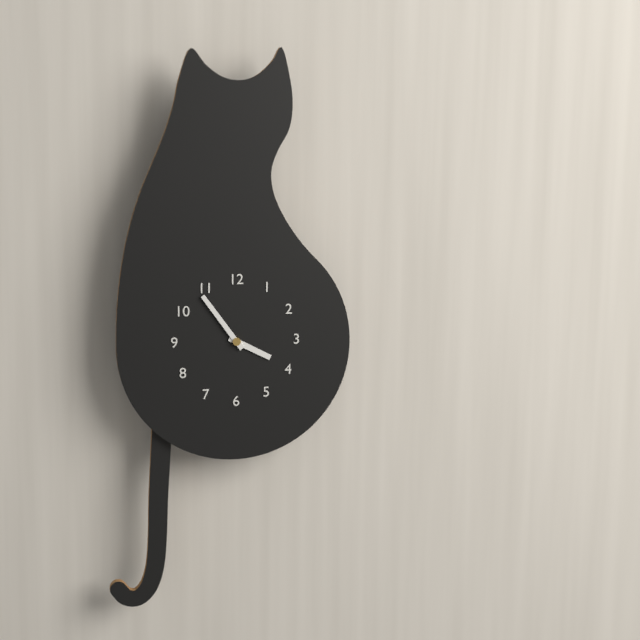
**3:54**
